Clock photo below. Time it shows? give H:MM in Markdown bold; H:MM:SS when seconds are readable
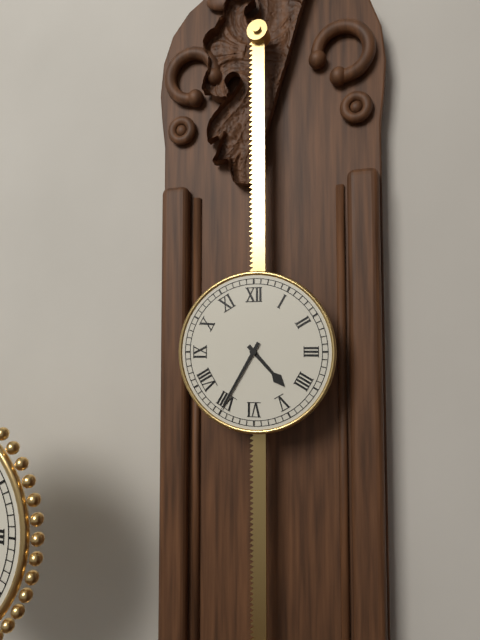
**4:35**
